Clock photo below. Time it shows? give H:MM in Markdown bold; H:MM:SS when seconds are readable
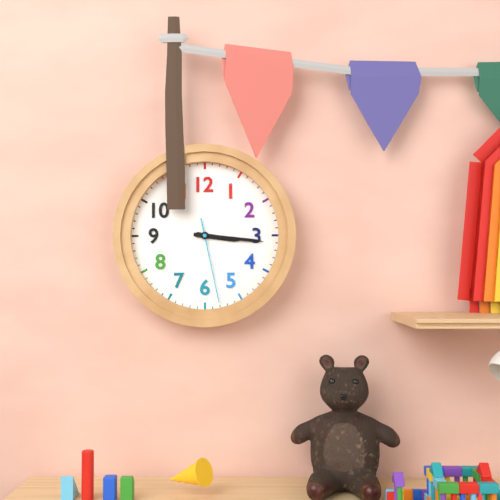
**3:16:28**
